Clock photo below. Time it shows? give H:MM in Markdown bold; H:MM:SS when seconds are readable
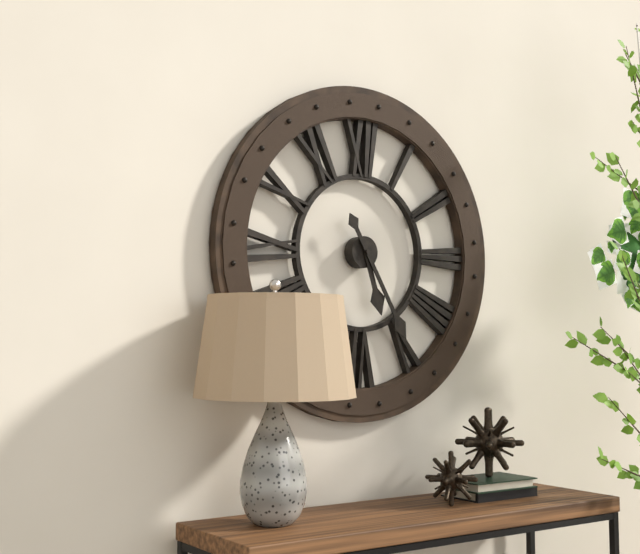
**5:25**
